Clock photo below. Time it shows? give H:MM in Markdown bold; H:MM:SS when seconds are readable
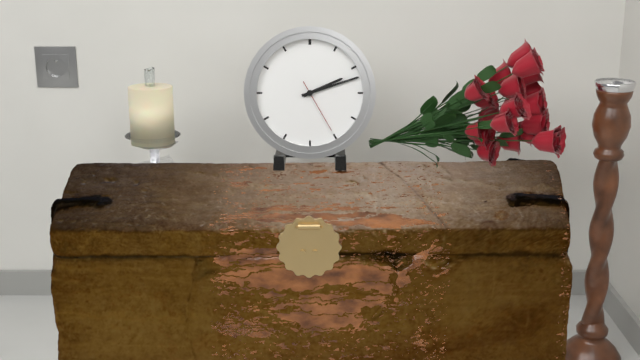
**2:12:25**
